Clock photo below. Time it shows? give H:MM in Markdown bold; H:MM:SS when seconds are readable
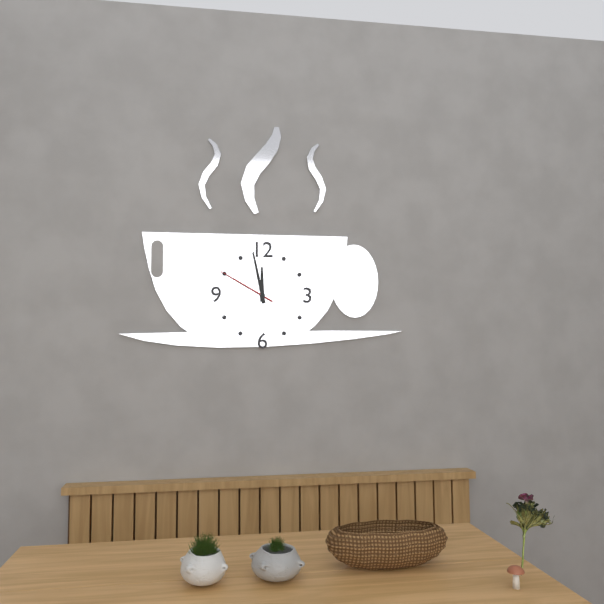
**11:58:50**
